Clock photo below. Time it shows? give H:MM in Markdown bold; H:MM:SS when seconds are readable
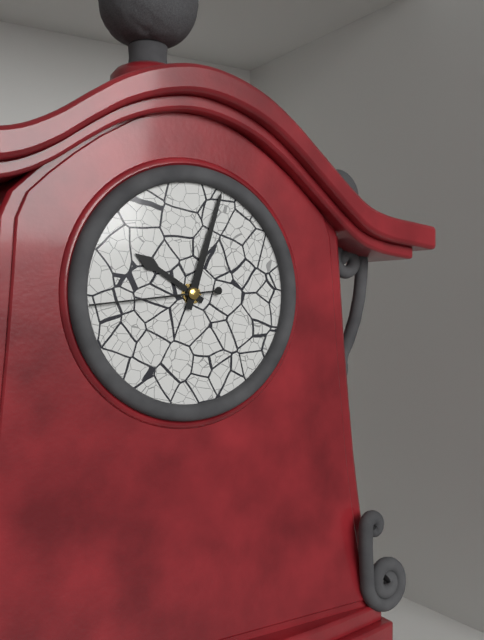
**10:03:44**
